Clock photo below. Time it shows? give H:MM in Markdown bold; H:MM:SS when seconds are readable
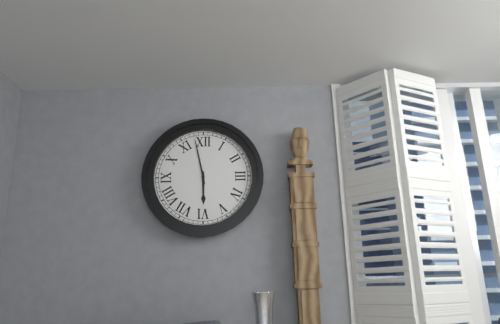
**5:58**
